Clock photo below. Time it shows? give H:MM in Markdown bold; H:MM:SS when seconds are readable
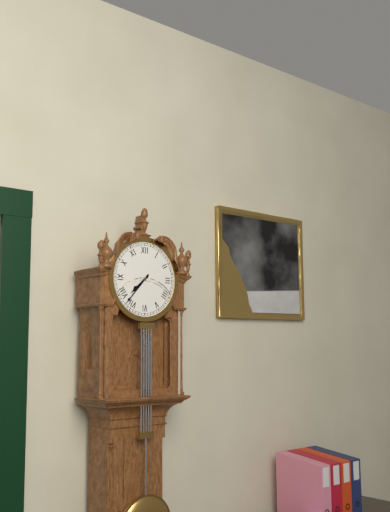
**7:37**
